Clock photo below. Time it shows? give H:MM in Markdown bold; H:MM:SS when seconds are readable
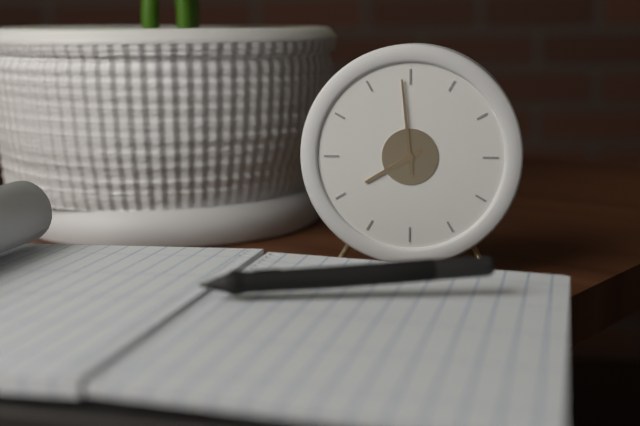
**7:59**
